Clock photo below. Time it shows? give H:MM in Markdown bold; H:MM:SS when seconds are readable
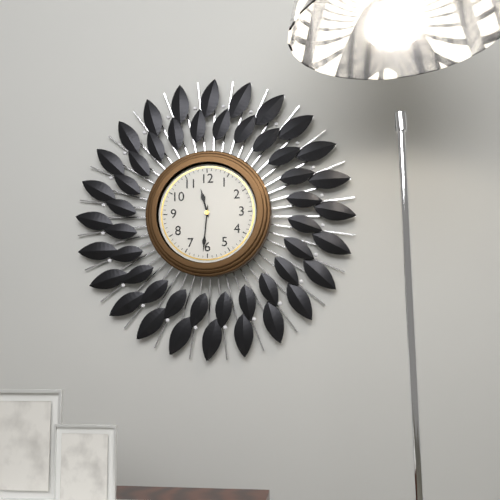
**11:31**
